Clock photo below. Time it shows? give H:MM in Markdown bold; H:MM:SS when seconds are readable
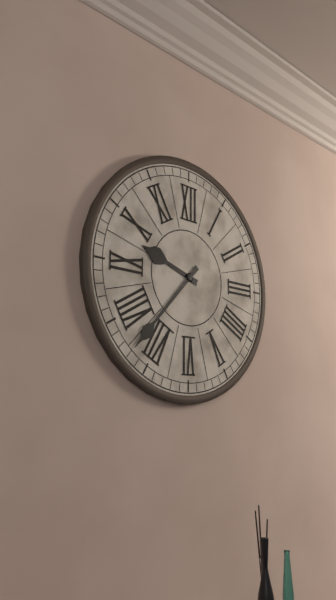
**9:37**
